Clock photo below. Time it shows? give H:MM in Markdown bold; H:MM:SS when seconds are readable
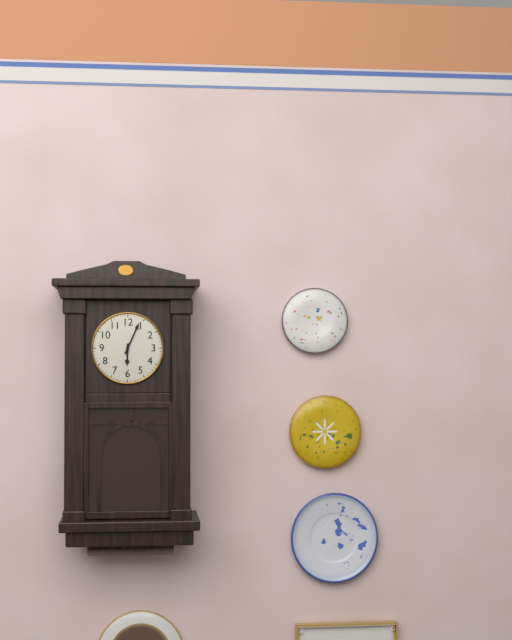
**6:04**
